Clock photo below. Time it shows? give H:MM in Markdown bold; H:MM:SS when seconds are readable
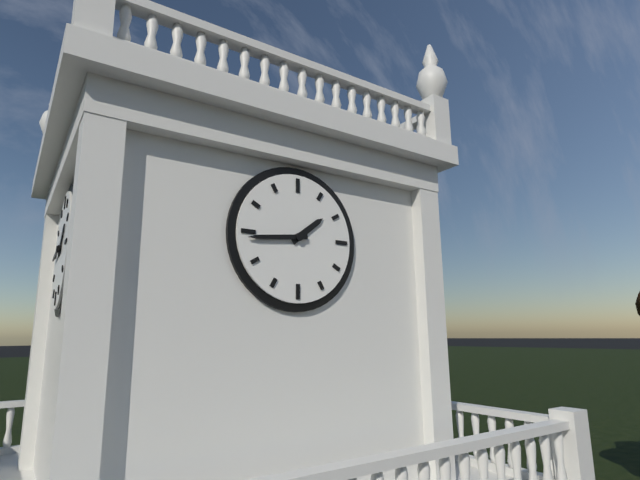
**1:44**
